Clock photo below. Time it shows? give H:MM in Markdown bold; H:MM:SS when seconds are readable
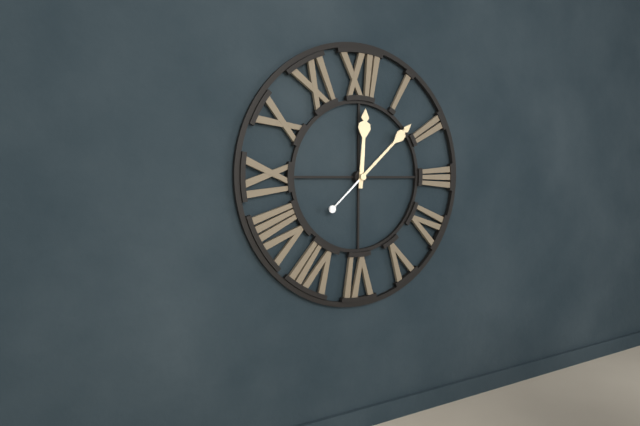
**12:08**
